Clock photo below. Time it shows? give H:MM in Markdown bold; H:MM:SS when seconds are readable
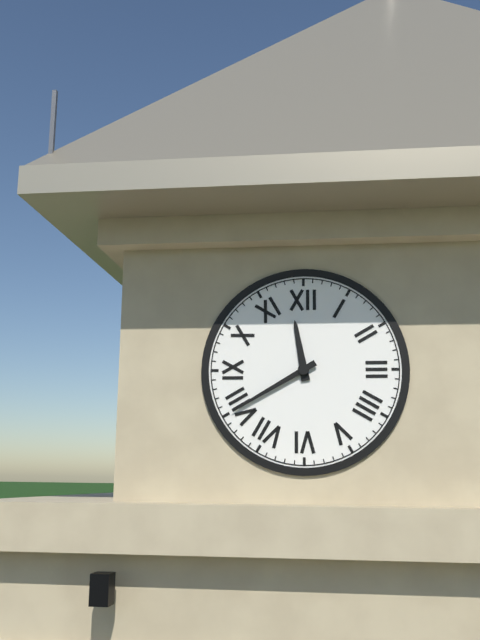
**11:40**
